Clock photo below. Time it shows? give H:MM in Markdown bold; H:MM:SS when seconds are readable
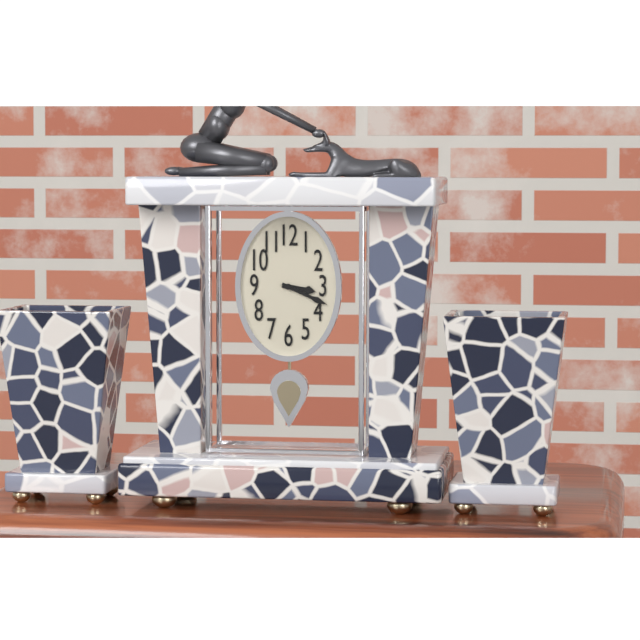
**3:19**
